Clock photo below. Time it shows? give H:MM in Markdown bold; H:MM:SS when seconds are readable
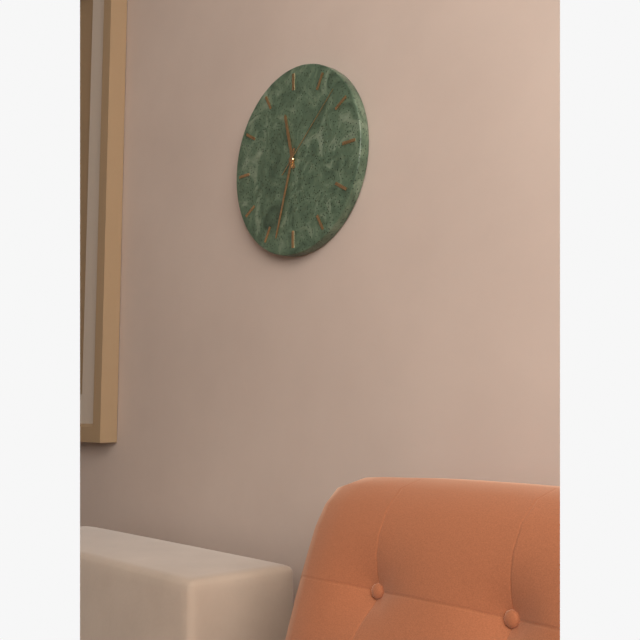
**11:33:08**
